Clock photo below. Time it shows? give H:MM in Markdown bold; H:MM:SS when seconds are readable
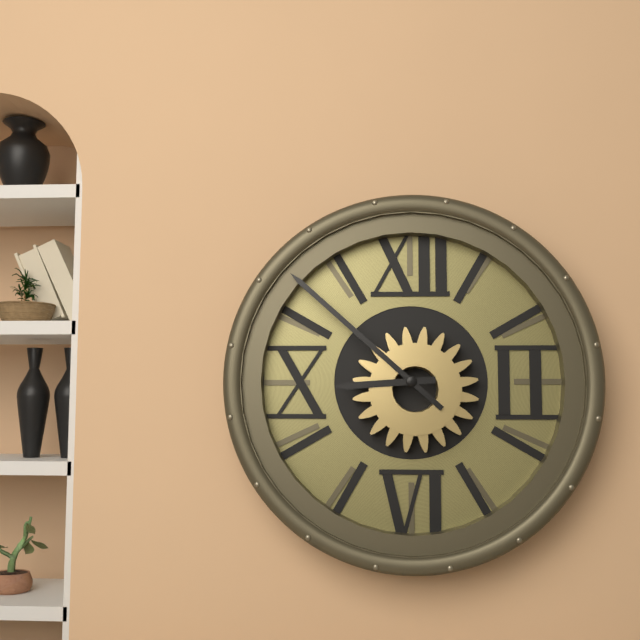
**8:52**
